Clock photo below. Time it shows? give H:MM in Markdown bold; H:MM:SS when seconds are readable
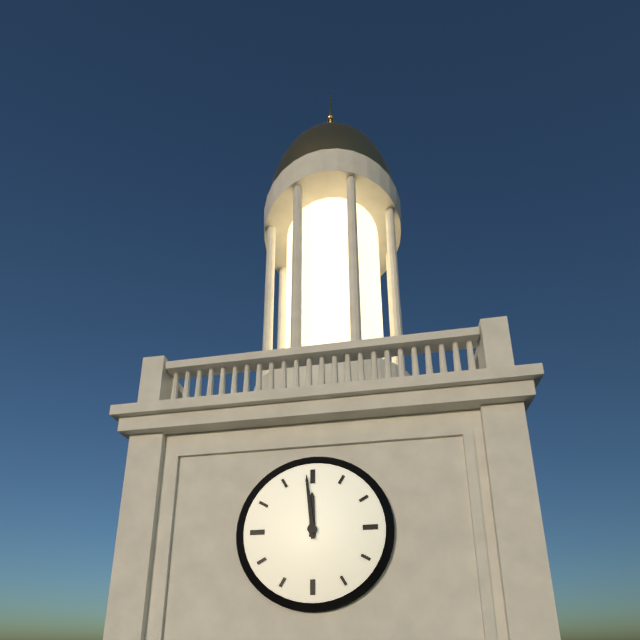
**11:59**
